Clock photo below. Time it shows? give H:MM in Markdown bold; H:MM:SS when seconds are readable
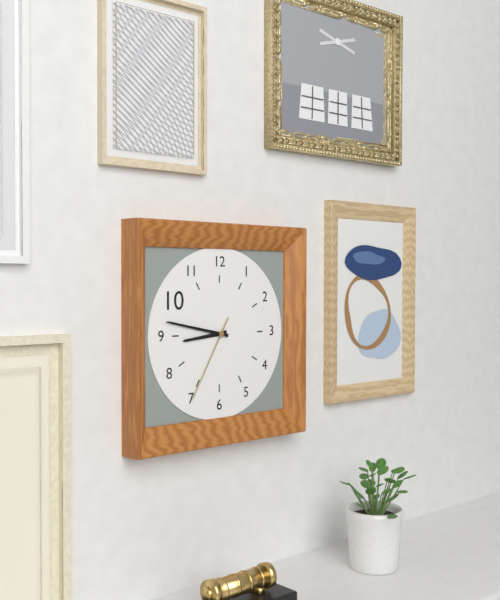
**8:47:35**
